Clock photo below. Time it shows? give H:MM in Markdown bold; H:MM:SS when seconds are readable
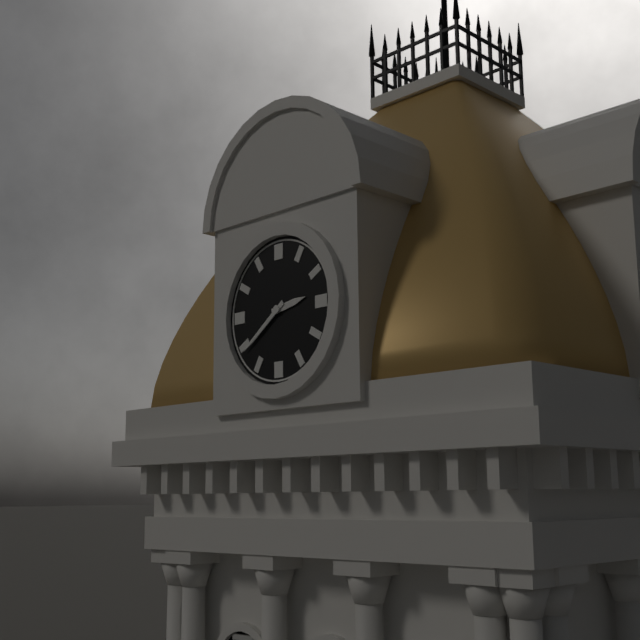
**2:39**
